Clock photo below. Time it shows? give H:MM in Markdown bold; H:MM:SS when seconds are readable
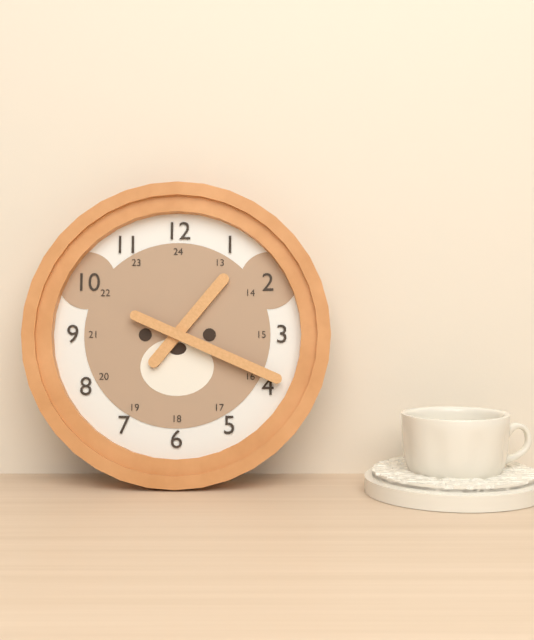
**1:19**
